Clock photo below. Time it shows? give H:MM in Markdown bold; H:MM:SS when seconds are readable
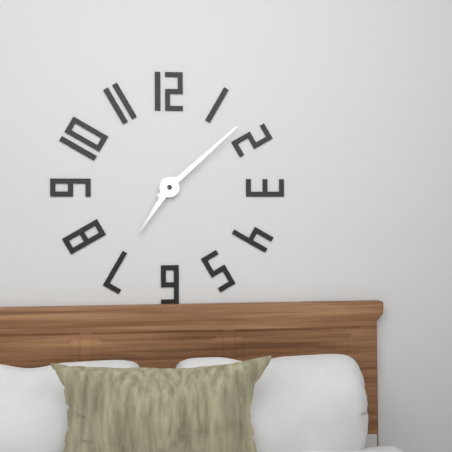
**7:08**
